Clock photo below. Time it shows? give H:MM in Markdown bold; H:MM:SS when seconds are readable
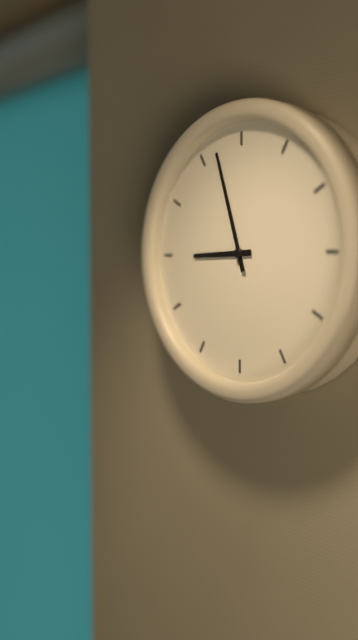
**8:57**
